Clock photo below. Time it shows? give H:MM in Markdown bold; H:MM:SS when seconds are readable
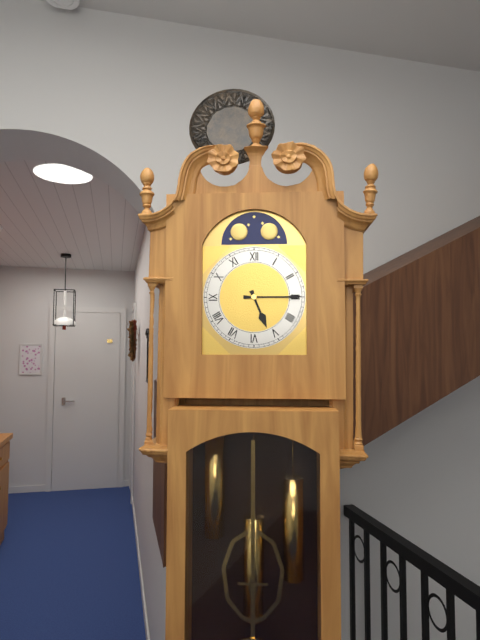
**5:15**
